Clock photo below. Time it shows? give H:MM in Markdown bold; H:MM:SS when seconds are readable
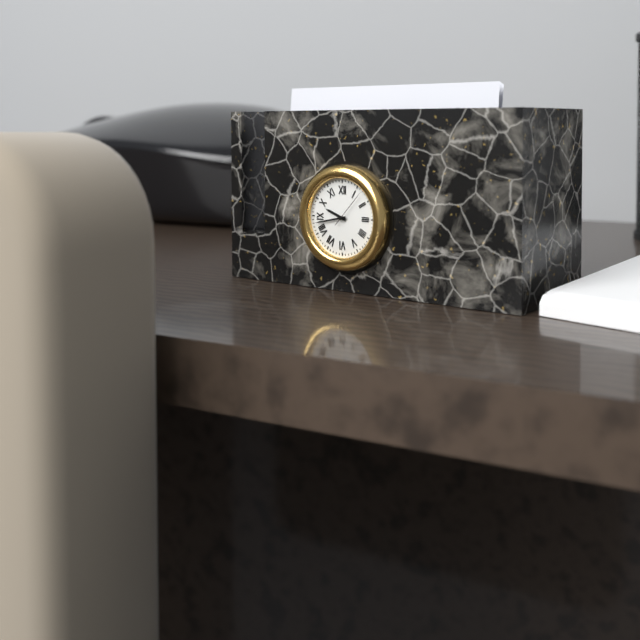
**9:43**
